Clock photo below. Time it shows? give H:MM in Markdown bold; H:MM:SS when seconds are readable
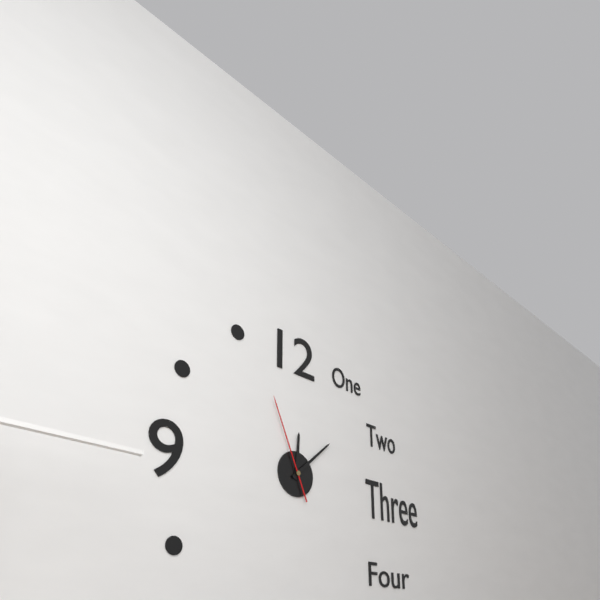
**12:08:56**
